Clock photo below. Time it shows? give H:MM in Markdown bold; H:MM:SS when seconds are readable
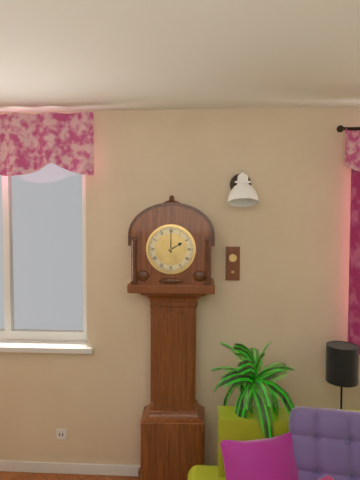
**2:00**
